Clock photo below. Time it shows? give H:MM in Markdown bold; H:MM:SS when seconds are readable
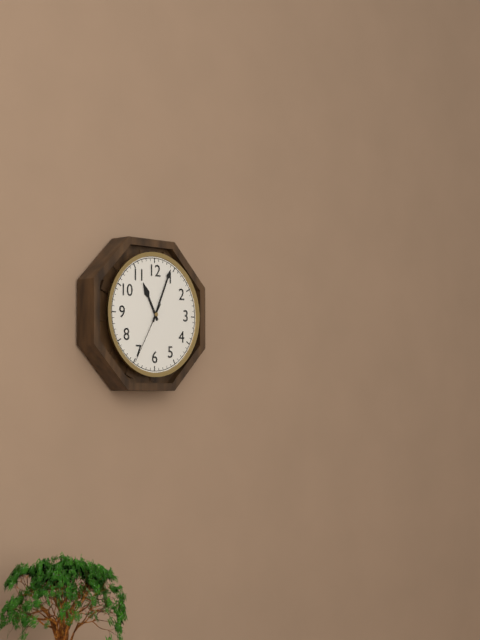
**11:04:35**
